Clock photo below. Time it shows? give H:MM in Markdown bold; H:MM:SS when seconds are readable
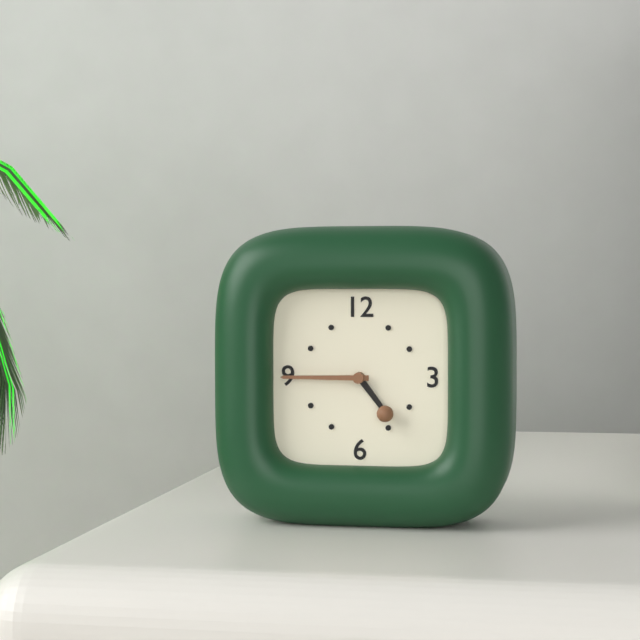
**4:45**
